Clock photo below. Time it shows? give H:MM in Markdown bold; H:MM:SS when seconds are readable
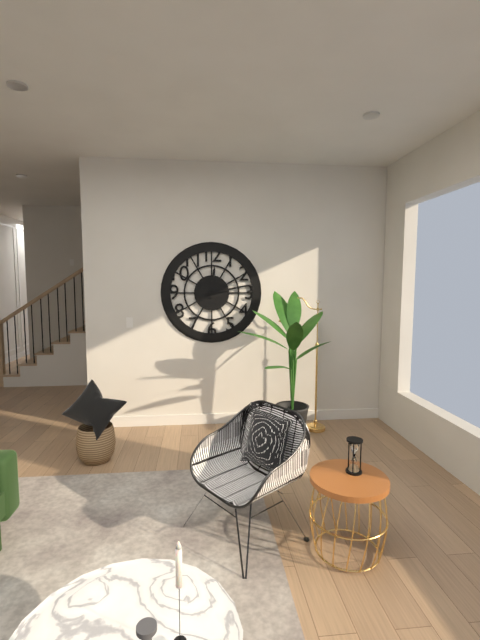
**12:13**
